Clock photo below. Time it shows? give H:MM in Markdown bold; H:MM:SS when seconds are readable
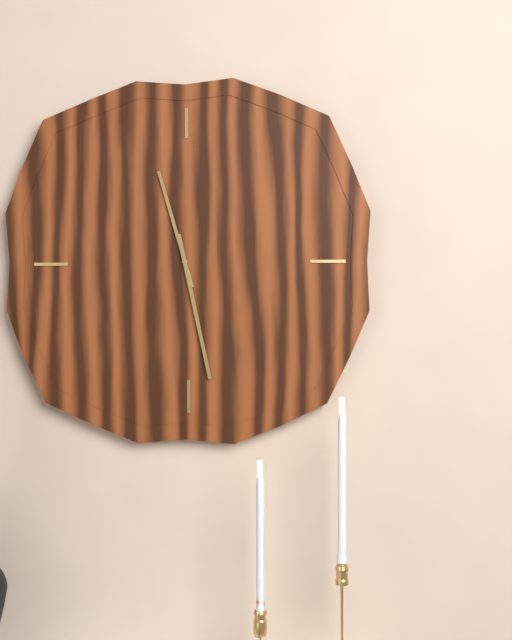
**11:28**
